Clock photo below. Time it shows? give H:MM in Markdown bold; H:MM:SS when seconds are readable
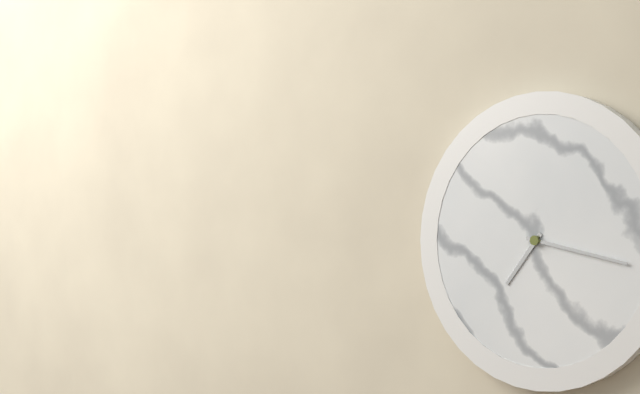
**7:17**
